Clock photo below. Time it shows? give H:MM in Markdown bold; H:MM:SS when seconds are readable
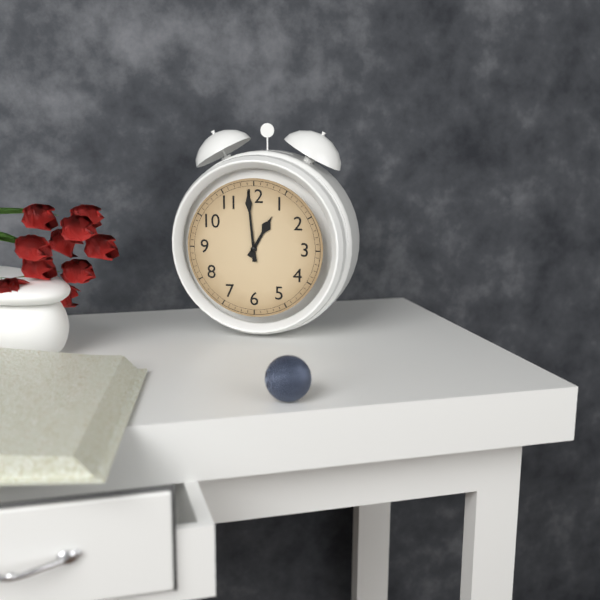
**12:59**
